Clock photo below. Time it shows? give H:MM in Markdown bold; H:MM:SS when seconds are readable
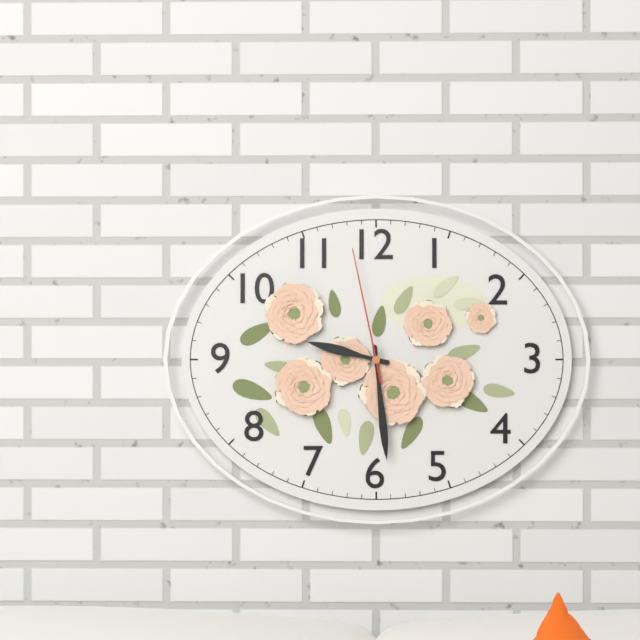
**9:29:58**
